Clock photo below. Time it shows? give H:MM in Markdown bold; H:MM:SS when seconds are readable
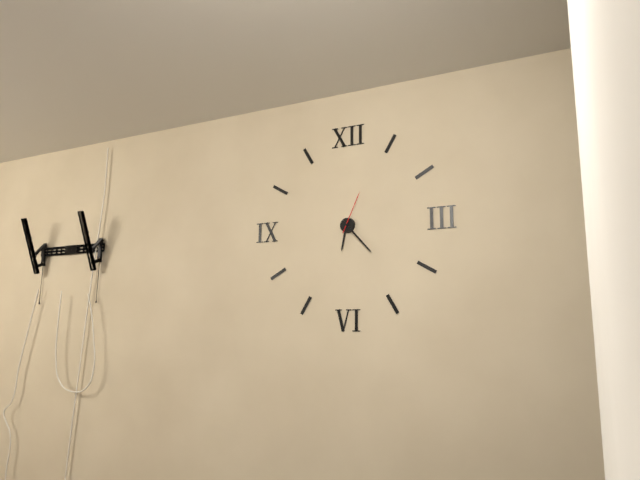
**6:23**
